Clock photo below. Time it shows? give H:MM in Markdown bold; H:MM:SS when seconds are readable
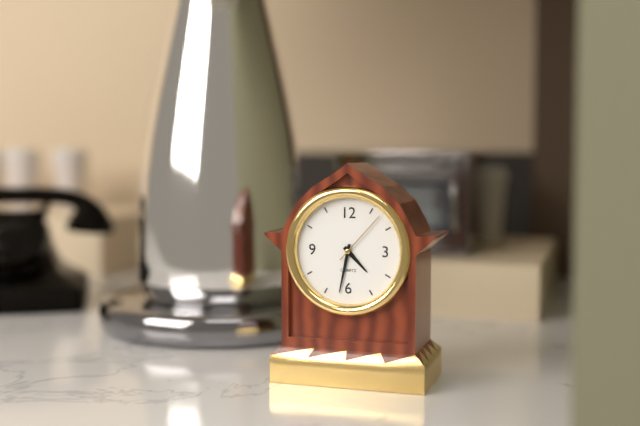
**4:32:07**
